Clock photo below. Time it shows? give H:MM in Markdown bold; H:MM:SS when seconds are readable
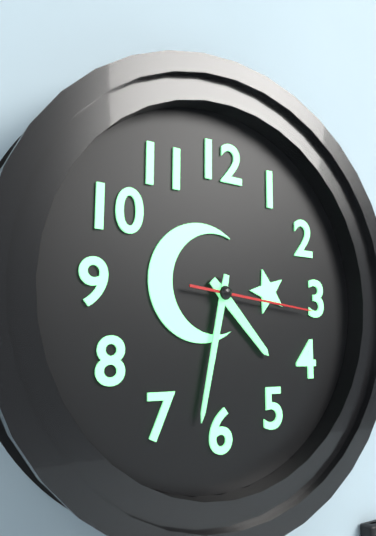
**4:32:16**
